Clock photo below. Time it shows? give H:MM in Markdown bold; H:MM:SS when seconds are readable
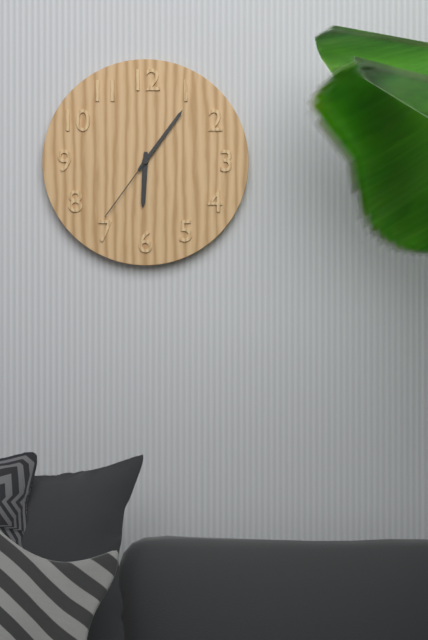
**6:06:36**
